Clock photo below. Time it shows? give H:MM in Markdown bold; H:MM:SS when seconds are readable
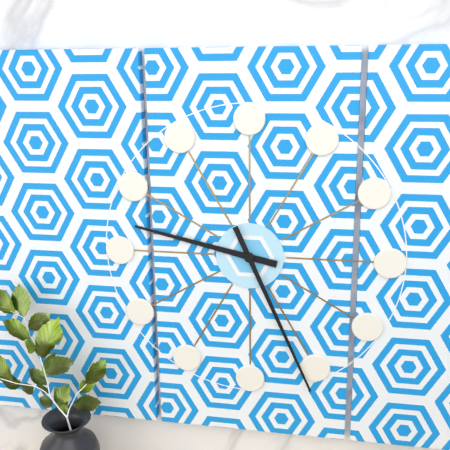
**9:26**
